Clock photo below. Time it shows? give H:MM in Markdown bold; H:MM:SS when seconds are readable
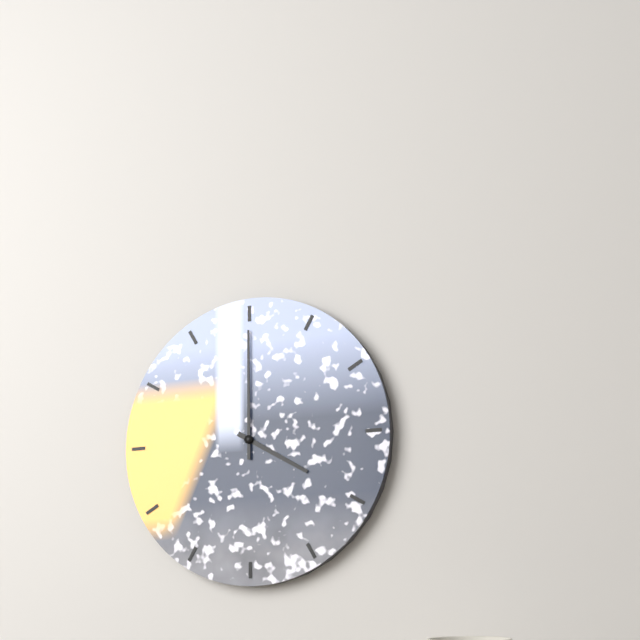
**4:00**
